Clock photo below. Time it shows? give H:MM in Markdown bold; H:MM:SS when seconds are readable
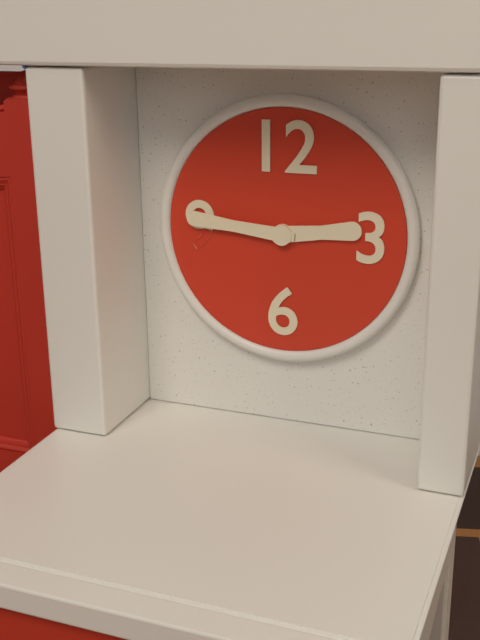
**2:46**
